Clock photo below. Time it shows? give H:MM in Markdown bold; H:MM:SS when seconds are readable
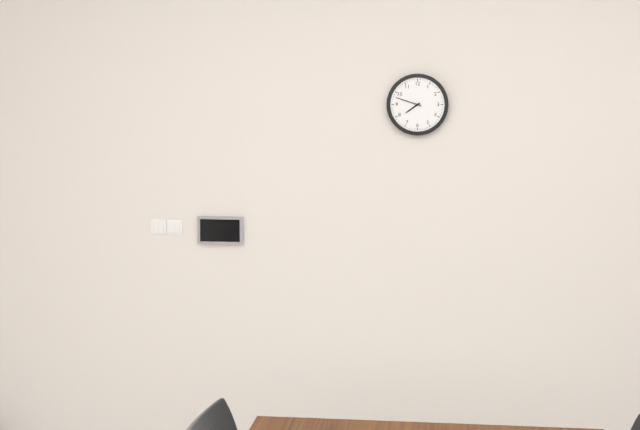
**7:48**
